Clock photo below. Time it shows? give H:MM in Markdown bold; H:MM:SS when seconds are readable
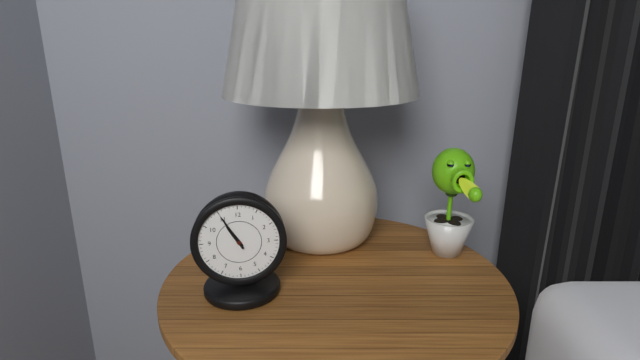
**10:55**
